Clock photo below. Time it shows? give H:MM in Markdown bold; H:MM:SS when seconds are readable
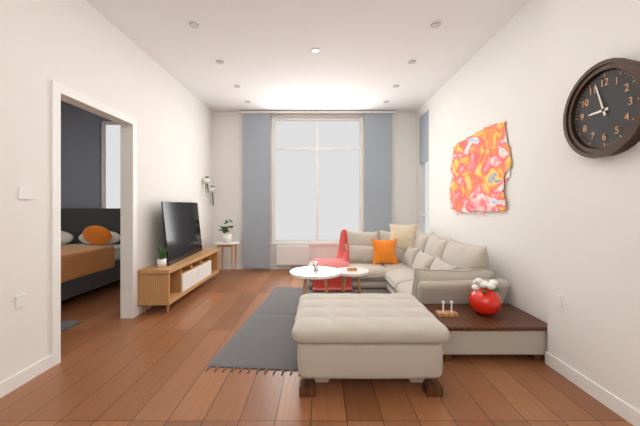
**8:57**
